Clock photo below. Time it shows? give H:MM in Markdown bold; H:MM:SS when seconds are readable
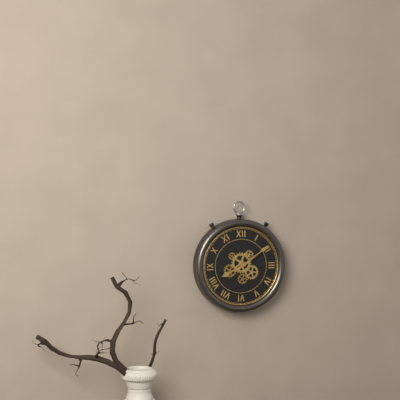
**8:09**
